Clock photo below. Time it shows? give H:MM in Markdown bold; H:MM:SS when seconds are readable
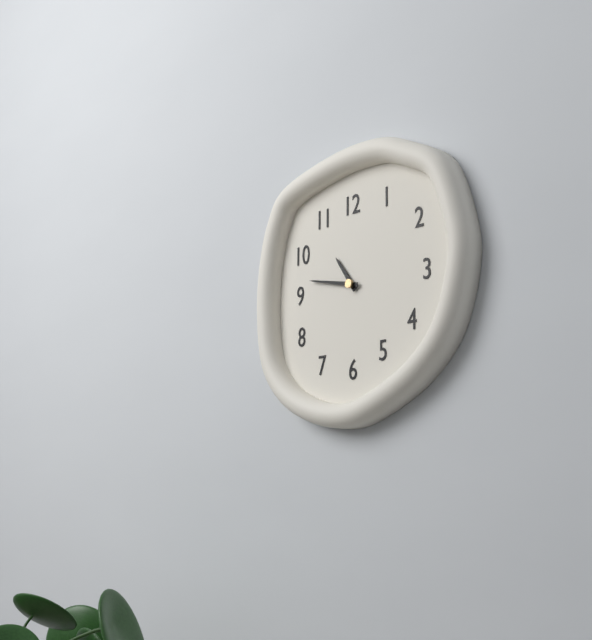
**10:47**
